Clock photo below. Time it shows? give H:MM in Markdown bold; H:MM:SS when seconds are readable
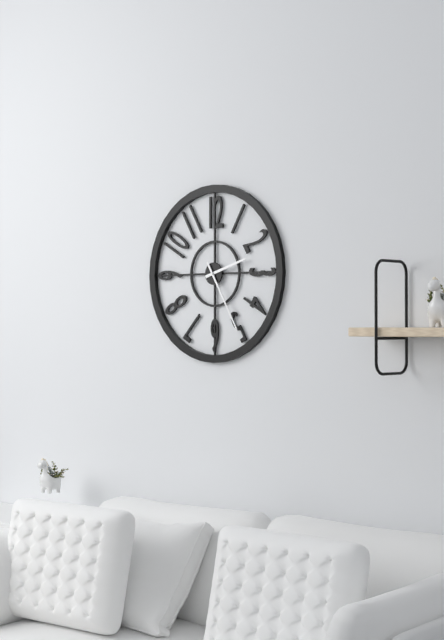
**2:25**
